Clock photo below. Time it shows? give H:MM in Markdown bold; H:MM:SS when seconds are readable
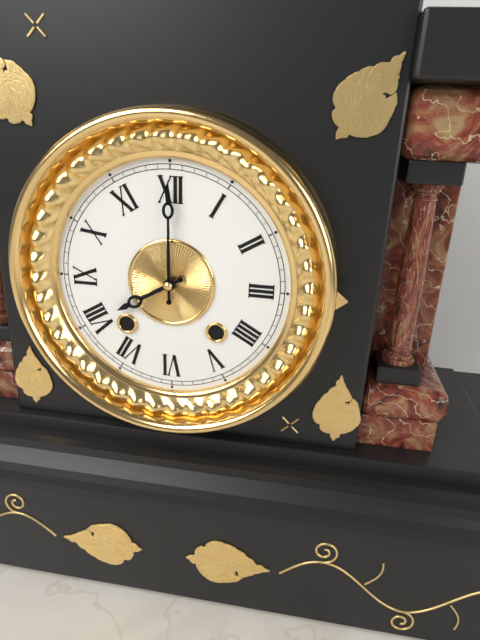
**8:00**
